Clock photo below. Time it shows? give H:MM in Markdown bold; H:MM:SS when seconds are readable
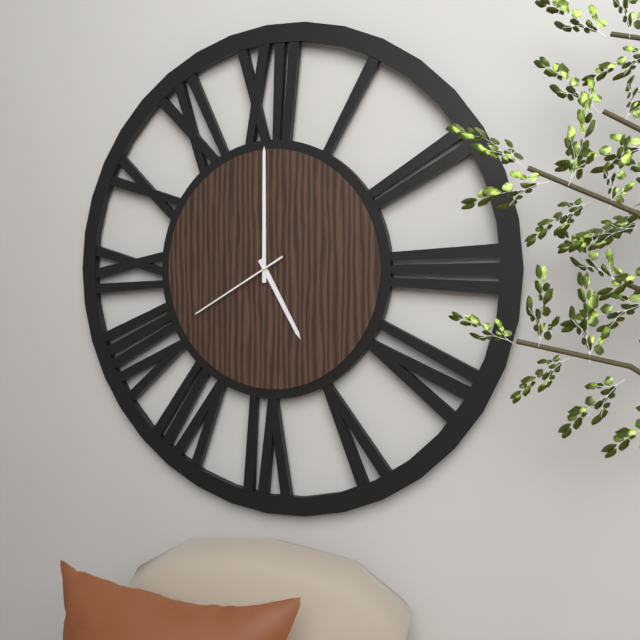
**5:00:40**
